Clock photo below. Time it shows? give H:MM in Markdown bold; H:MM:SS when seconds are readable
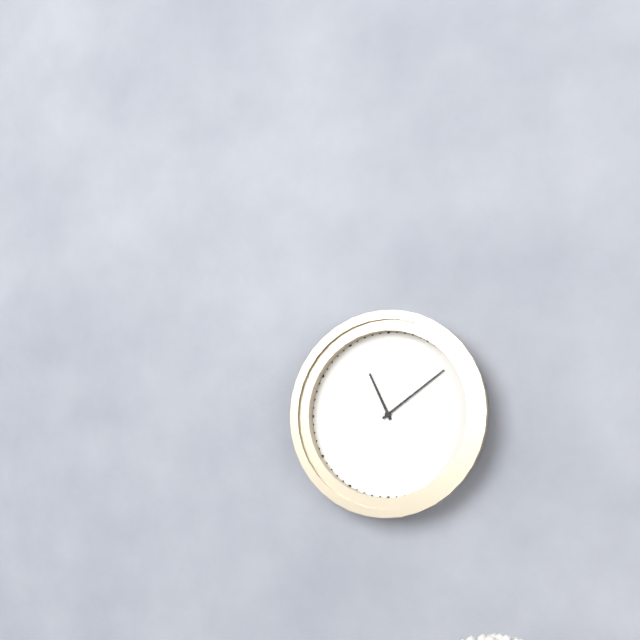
**11:09**
